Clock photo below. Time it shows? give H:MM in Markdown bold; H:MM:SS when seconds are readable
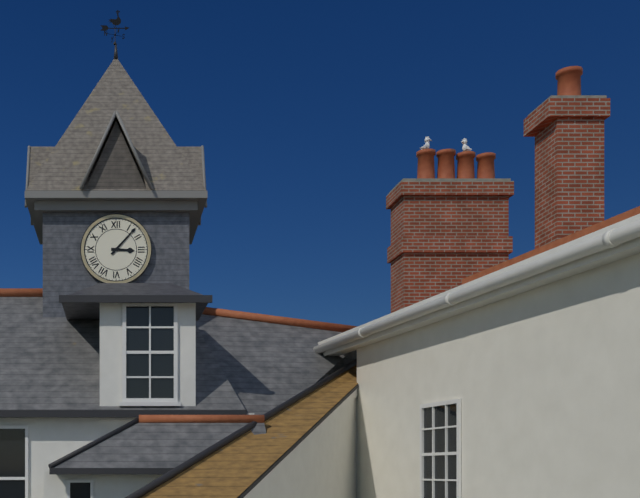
**3:07**
